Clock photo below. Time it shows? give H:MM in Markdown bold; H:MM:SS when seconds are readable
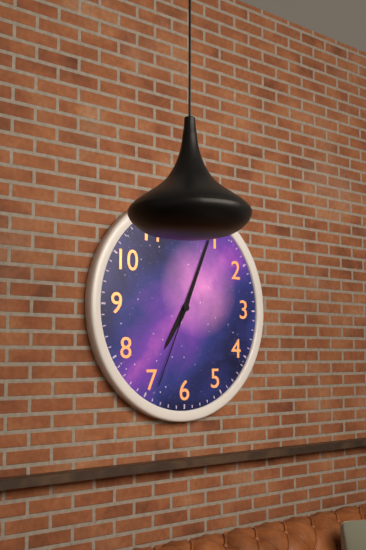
**7:04:34**
